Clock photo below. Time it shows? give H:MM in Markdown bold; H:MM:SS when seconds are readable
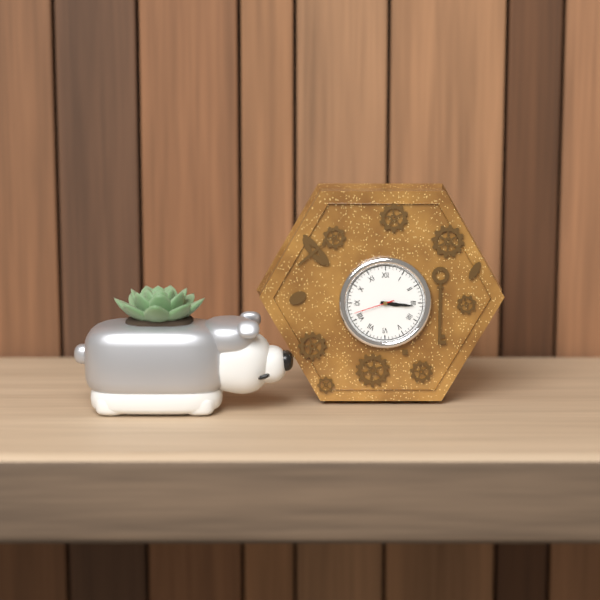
**3:16**
